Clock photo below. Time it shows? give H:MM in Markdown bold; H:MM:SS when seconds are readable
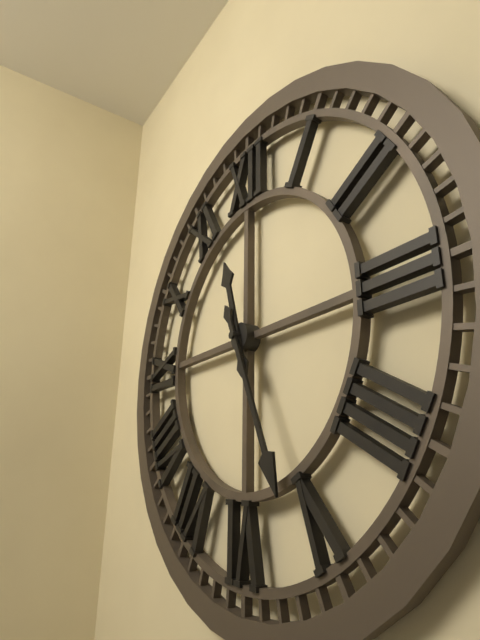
**11:26**
